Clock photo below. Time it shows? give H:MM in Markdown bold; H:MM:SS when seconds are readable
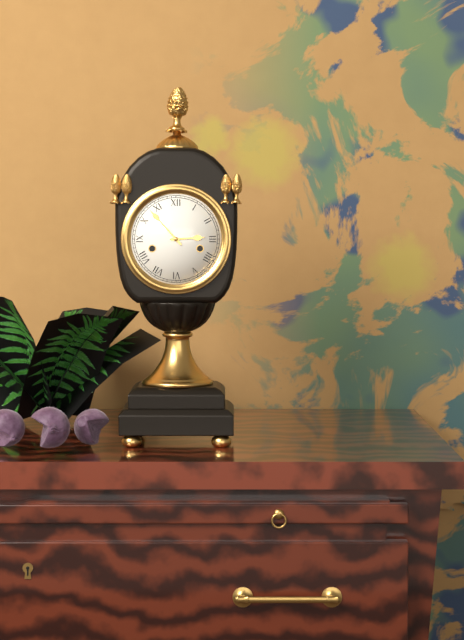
**2:53**
